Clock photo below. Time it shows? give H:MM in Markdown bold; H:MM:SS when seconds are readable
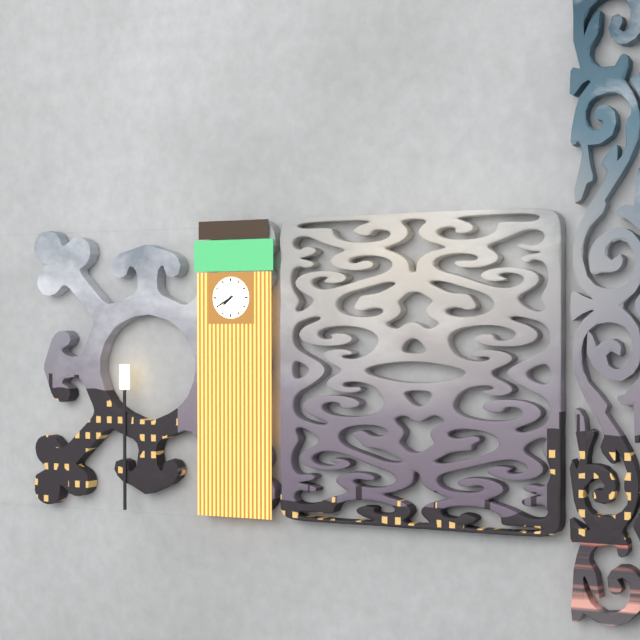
**7:40**
